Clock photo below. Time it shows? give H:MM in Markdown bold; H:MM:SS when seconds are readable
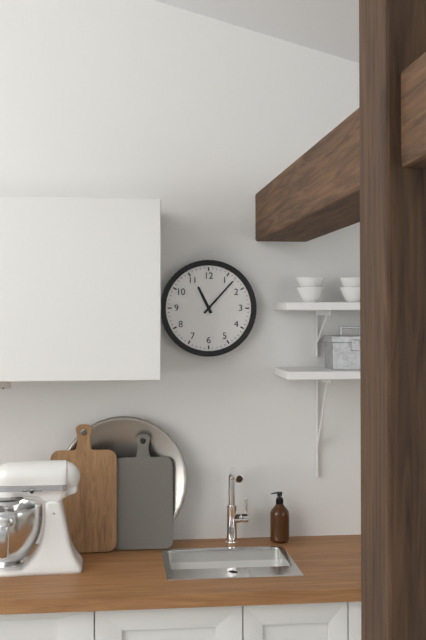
**11:07**
